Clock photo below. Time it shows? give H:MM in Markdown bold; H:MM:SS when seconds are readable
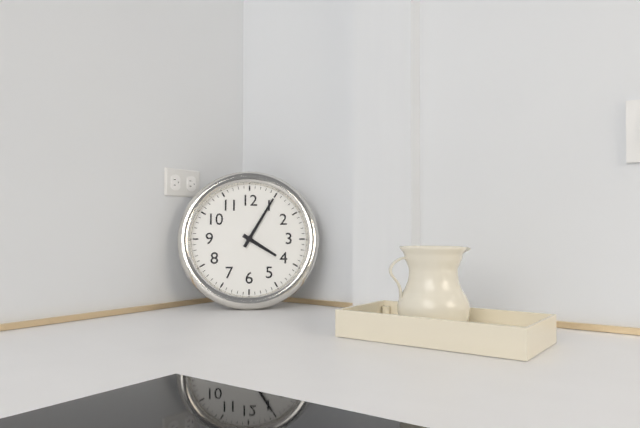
**4:05**
